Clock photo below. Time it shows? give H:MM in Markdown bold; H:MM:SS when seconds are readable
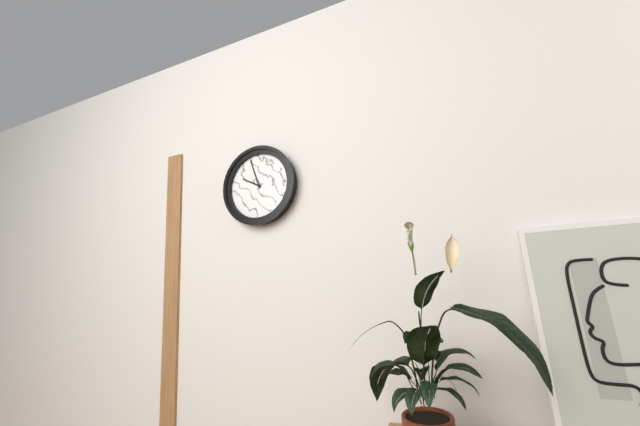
**9:57**
